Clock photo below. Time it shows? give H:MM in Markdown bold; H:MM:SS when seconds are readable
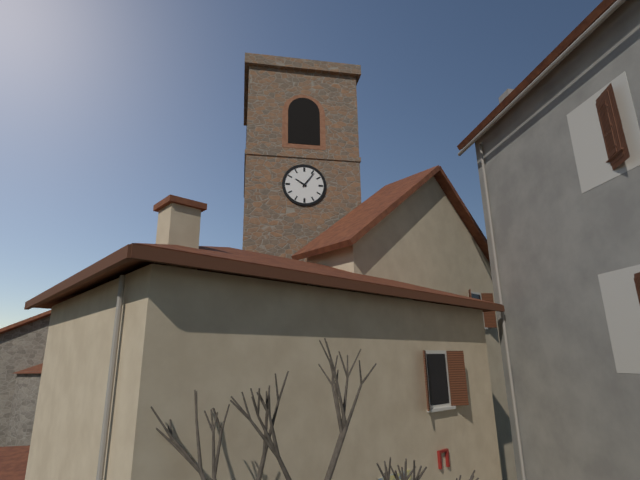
**10:06**
